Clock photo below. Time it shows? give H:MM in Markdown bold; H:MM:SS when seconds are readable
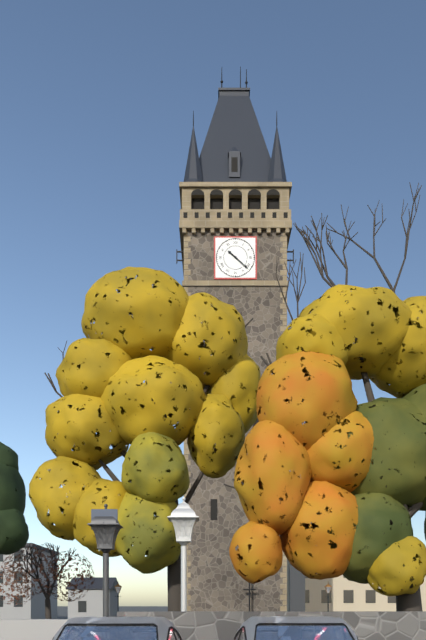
**10:22**
